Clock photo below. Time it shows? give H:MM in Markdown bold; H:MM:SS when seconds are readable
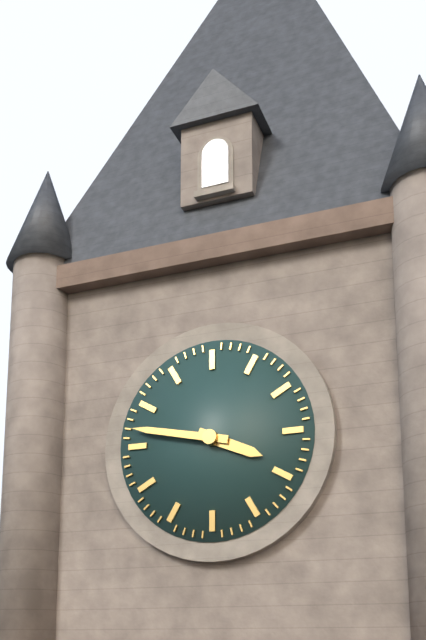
**3:47**
